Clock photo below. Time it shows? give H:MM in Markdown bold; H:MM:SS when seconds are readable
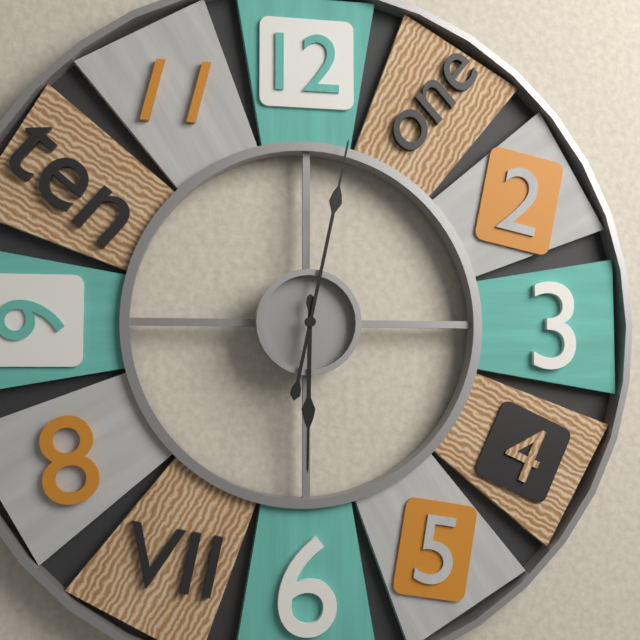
**6:02**
